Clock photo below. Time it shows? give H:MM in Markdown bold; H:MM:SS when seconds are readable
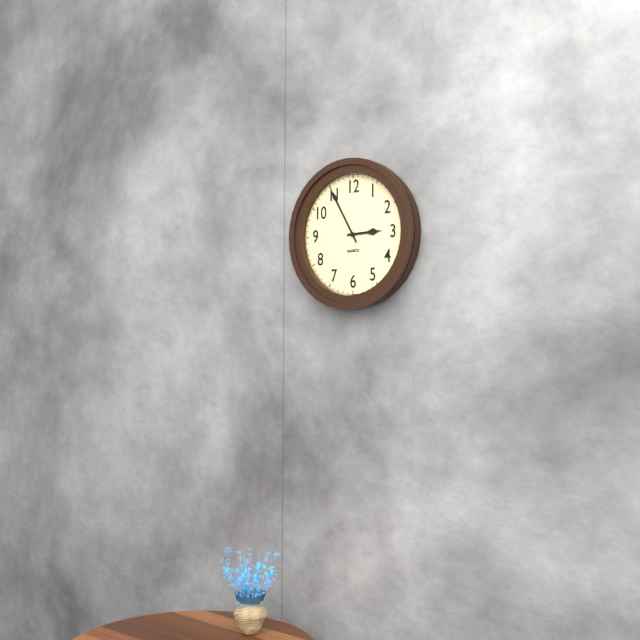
**2:55**
